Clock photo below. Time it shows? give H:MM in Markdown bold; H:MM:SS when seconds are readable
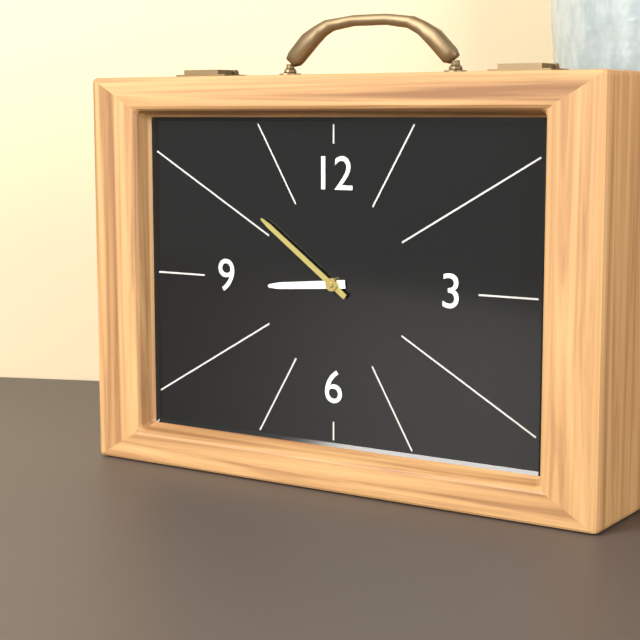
**8:51**
